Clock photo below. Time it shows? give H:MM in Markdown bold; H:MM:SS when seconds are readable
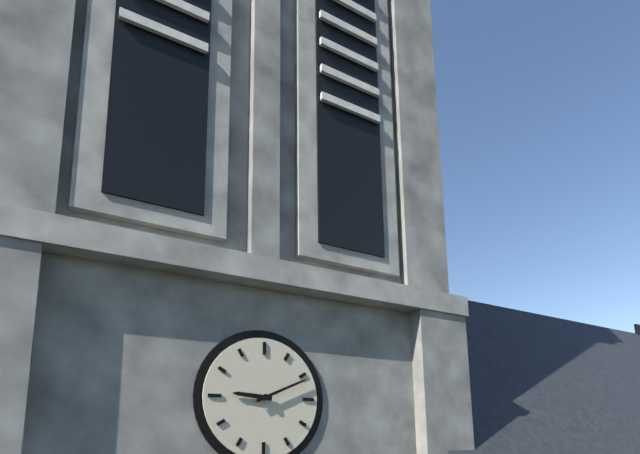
**9:11**
